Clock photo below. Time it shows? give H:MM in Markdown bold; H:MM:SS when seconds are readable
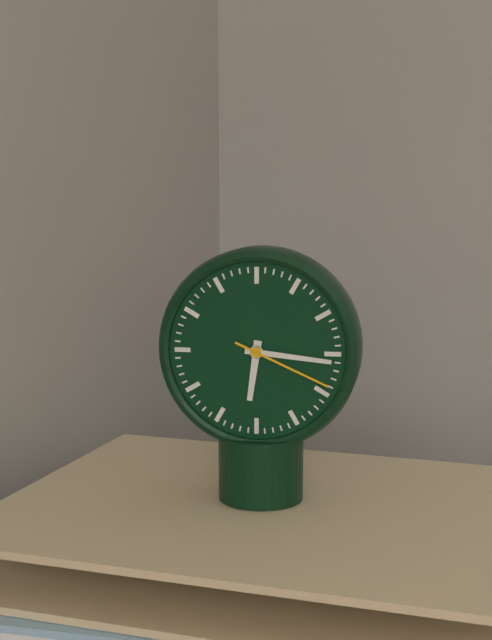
**6:16:19**
